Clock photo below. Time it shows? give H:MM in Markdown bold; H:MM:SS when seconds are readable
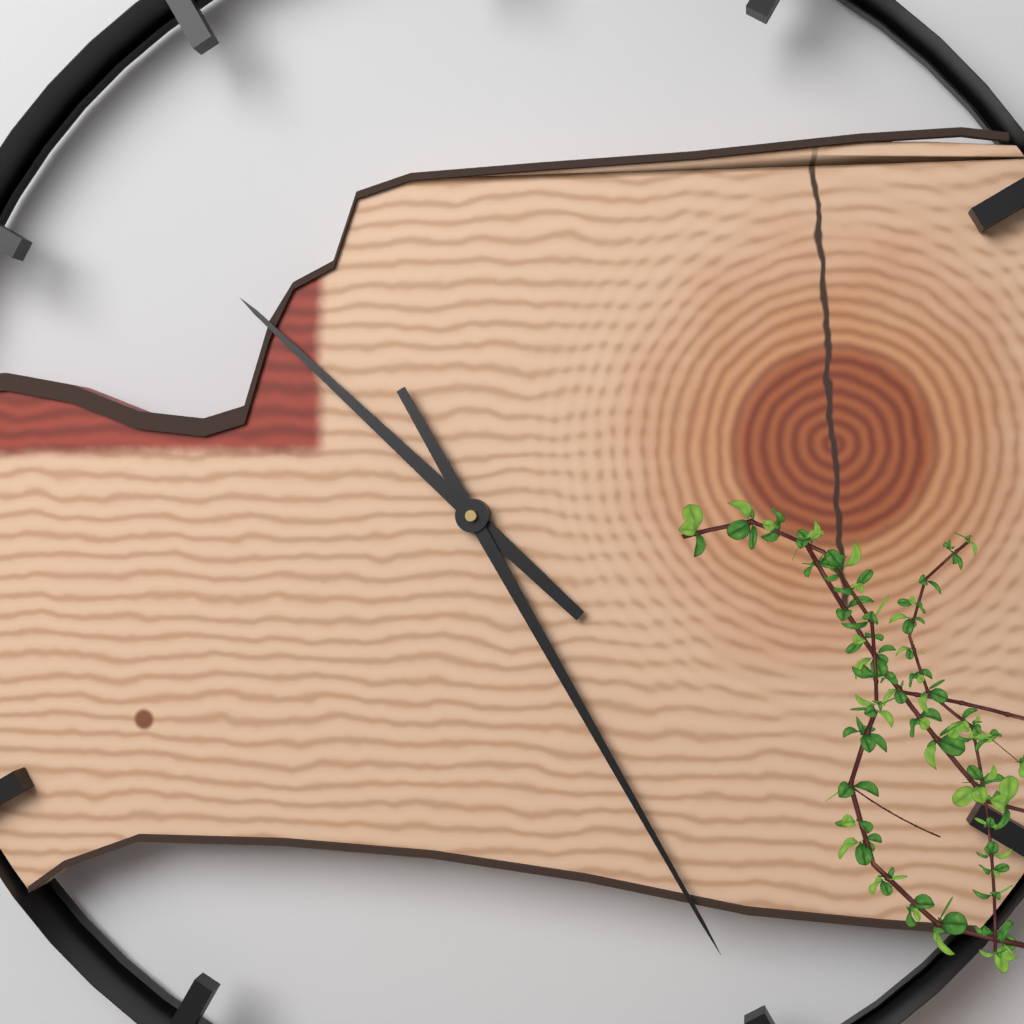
**10:25**
